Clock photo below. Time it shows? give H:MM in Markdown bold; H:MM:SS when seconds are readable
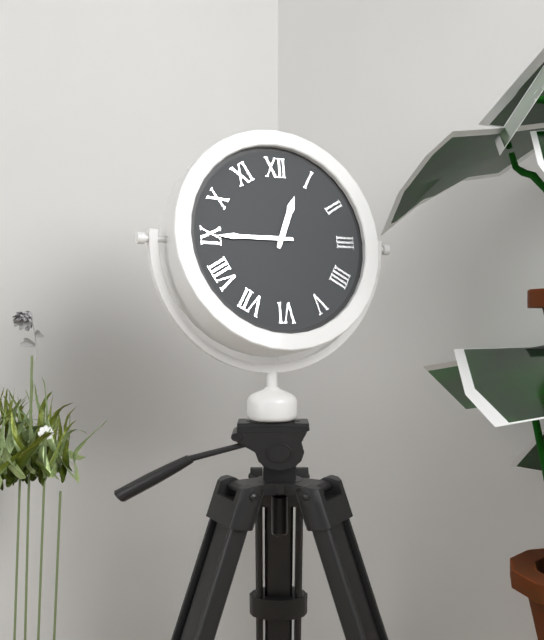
**12:45**
